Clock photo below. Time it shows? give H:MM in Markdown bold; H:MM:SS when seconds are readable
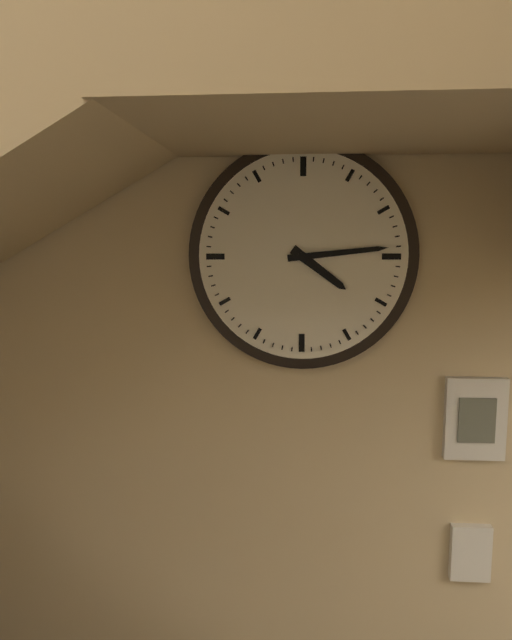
**4:14**
